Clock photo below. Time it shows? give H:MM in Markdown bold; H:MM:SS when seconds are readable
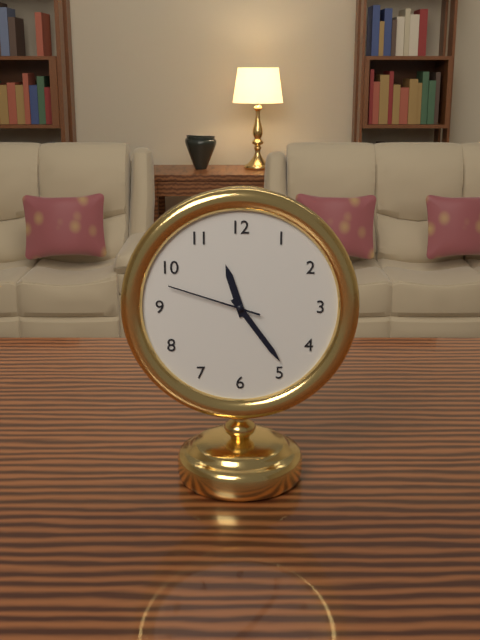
**11:24:48**
